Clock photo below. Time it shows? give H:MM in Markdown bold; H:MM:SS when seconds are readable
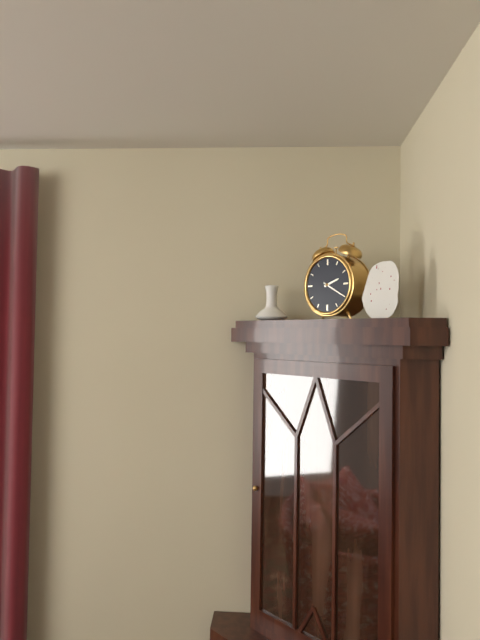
**2:20**
